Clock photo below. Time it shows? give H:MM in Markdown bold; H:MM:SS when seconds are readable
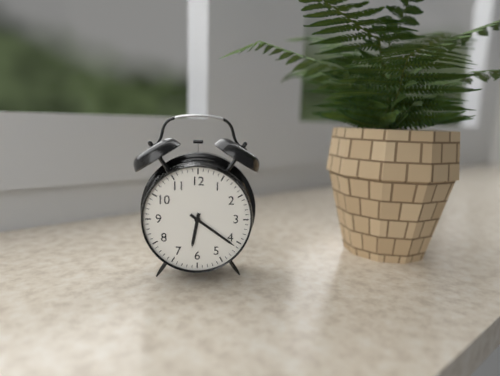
**6:21**
